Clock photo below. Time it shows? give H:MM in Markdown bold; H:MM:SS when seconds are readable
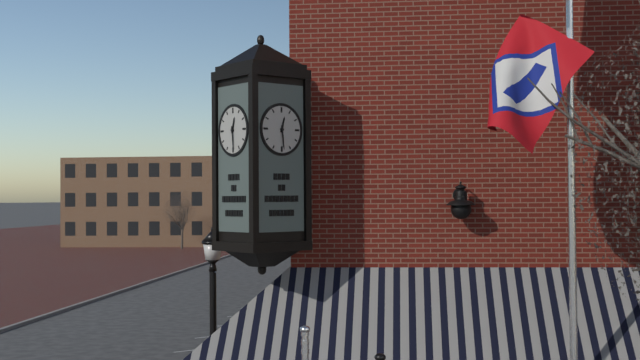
**12:29**
